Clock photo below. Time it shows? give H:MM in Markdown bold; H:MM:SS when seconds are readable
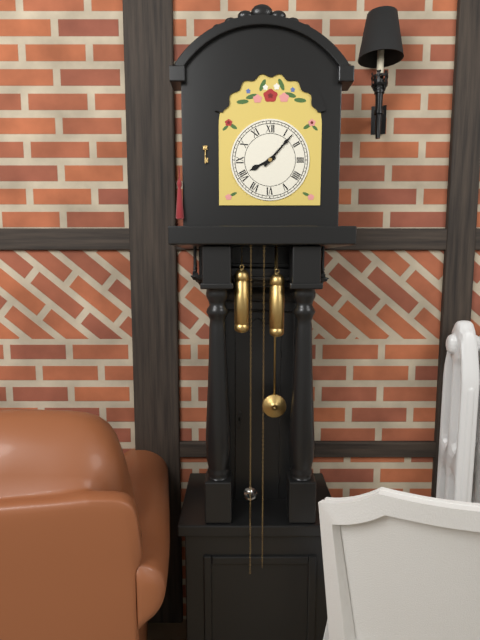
**8:07**
